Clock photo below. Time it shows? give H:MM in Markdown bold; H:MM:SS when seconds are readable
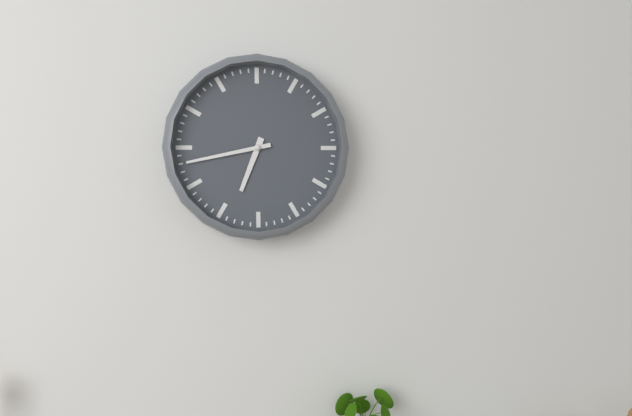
**6:43**
